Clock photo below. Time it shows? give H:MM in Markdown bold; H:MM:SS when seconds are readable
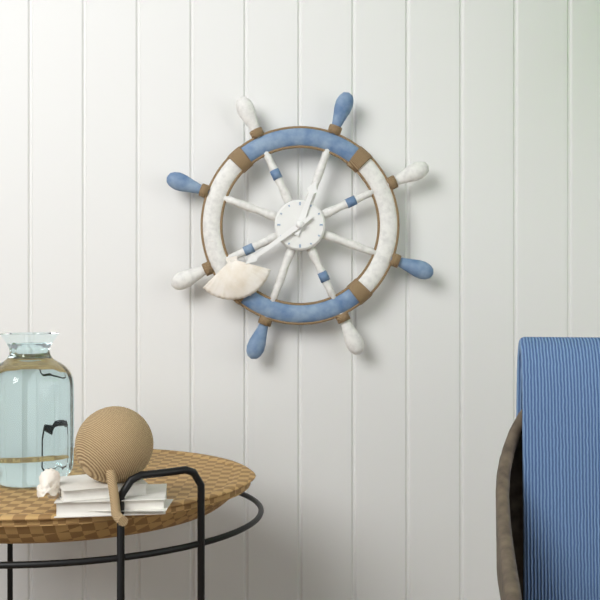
**12:39**
